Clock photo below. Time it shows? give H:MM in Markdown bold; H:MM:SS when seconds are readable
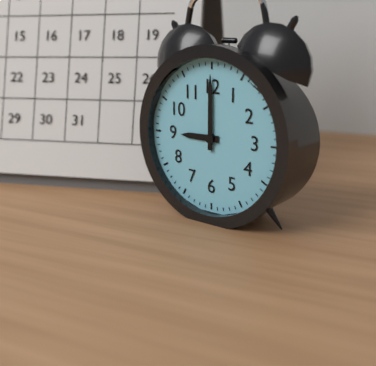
**9:00**
